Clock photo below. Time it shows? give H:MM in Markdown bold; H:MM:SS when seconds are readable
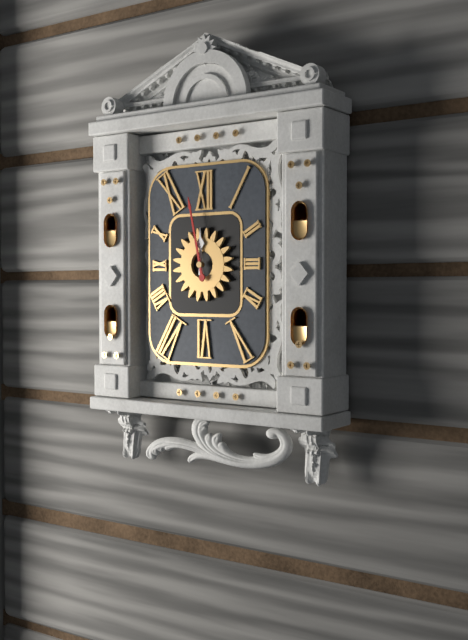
**11:58**
